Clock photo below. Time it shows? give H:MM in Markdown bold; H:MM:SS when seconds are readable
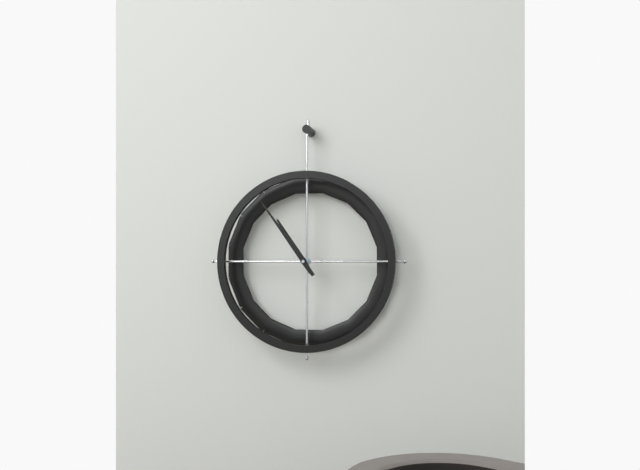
**10:54**
